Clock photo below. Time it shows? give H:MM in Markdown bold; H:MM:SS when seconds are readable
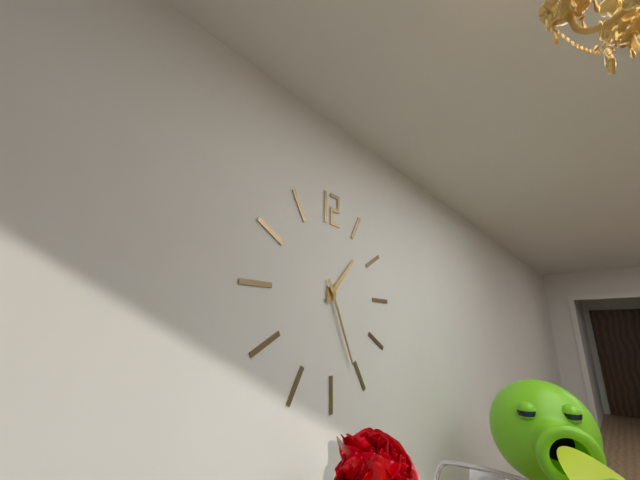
**1:26**
